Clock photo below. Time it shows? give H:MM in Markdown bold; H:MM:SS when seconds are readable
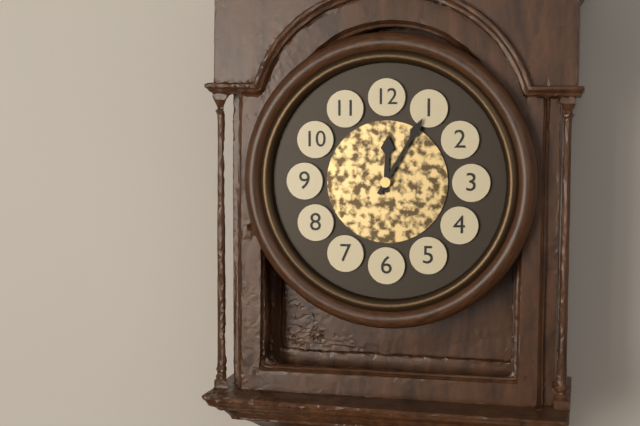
**12:05**
